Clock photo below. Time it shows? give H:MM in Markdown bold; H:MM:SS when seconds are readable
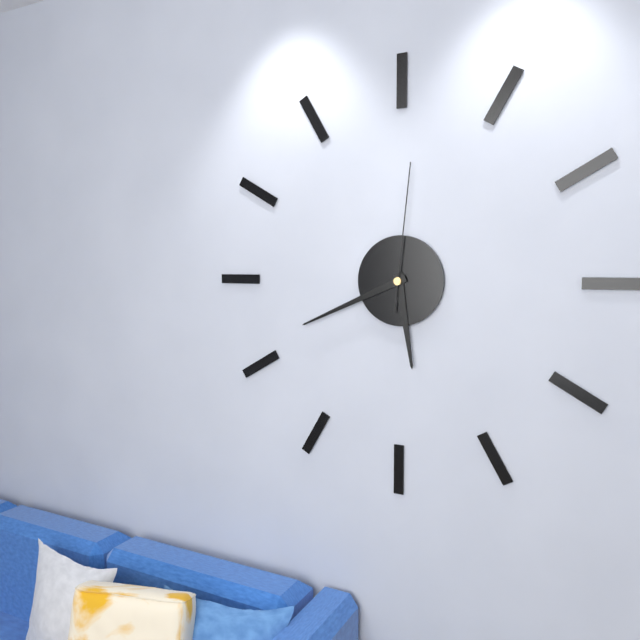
**5:41:01**
